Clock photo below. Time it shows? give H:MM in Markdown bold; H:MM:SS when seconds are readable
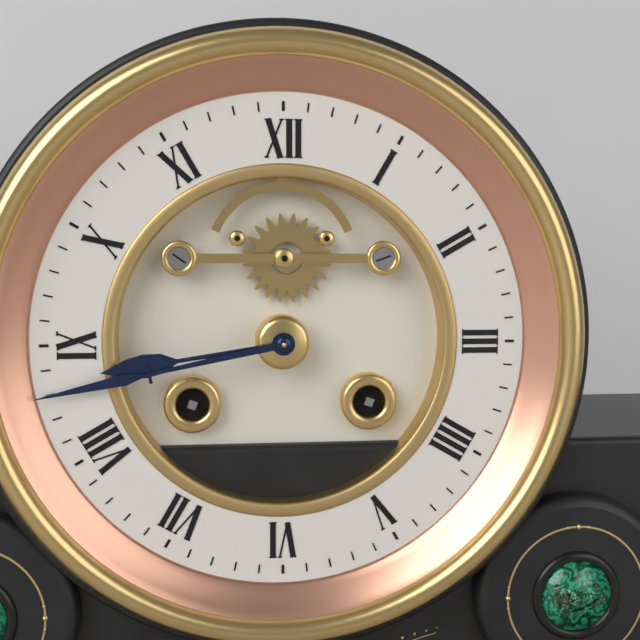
**8:43**
